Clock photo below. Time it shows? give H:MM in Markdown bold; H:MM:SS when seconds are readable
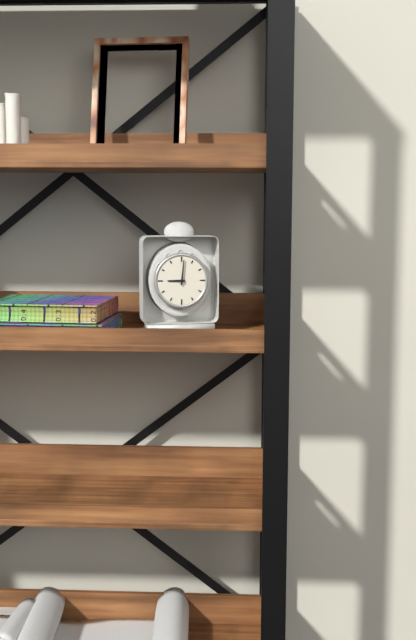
**9:01**
